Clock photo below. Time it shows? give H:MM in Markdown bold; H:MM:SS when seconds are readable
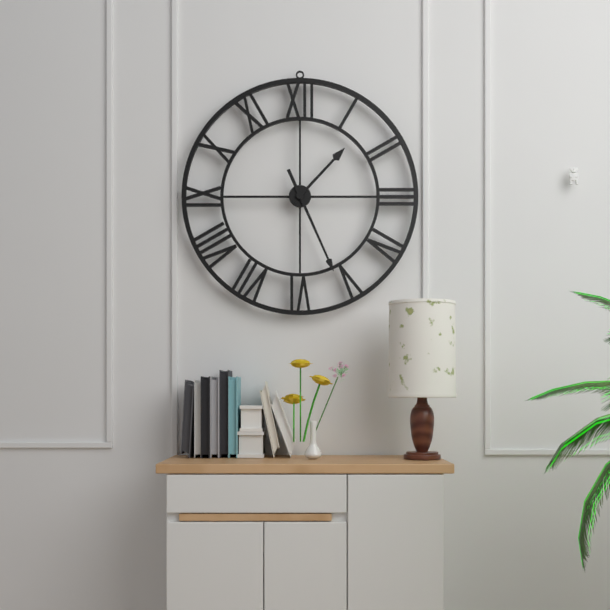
**1:26**
